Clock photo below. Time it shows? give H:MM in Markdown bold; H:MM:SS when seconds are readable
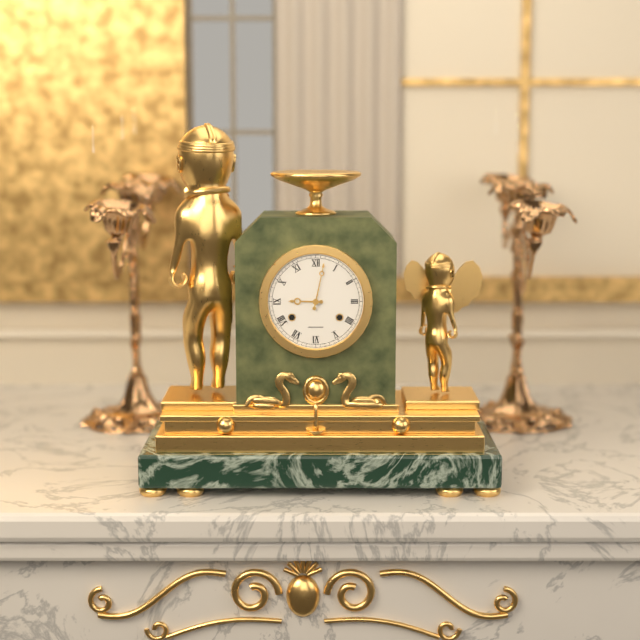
**9:02**
